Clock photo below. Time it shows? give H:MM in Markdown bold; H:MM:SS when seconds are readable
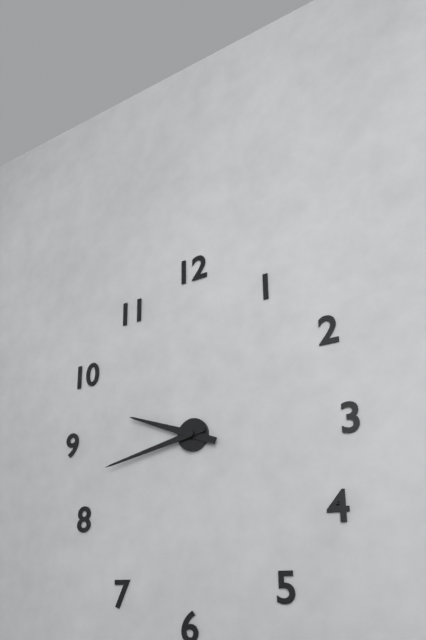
**9:43**
